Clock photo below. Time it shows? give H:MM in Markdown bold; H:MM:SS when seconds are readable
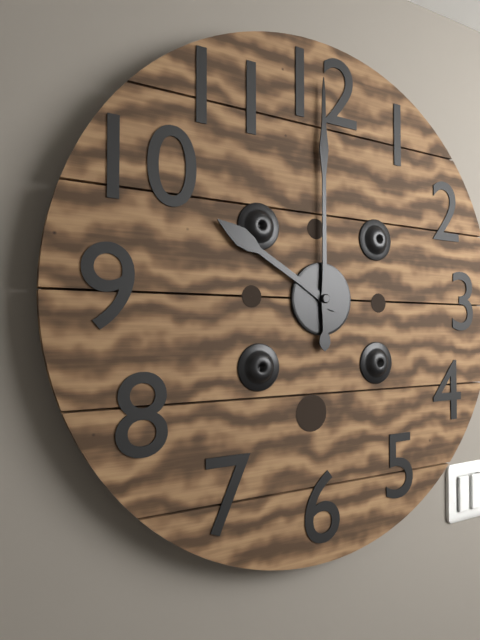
**10:00**
